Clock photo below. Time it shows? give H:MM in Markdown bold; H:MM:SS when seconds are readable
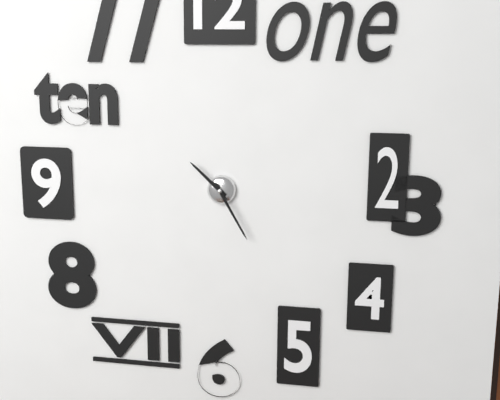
**10:25**
